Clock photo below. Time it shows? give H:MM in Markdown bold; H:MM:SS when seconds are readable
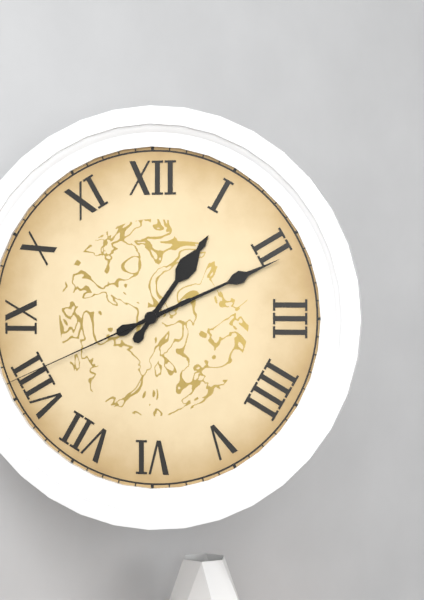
**1:11:41**
